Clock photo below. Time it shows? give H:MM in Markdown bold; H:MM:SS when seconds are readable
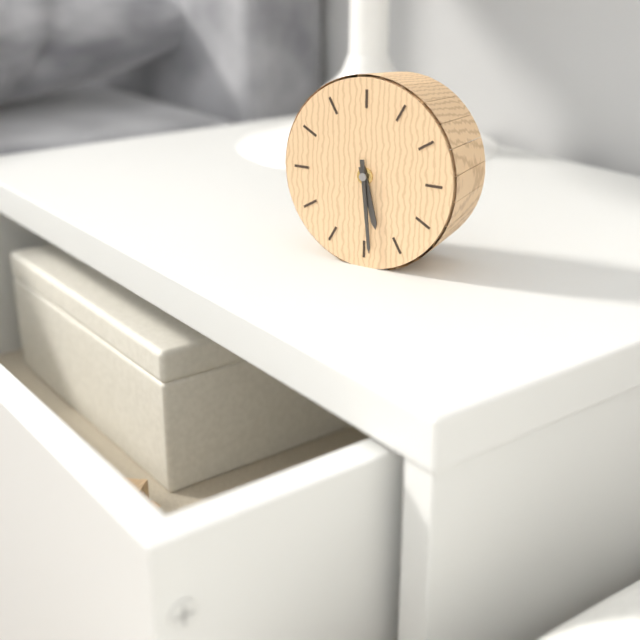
**5:29**
